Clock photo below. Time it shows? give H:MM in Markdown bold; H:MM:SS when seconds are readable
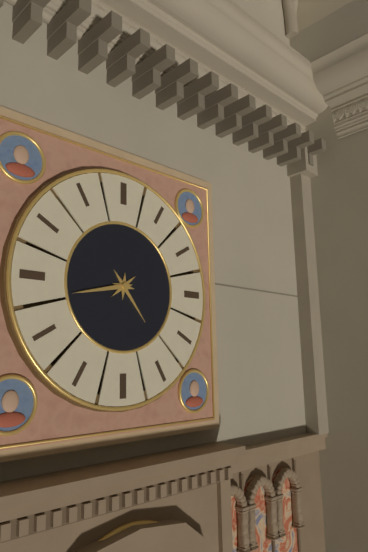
**4:43**
